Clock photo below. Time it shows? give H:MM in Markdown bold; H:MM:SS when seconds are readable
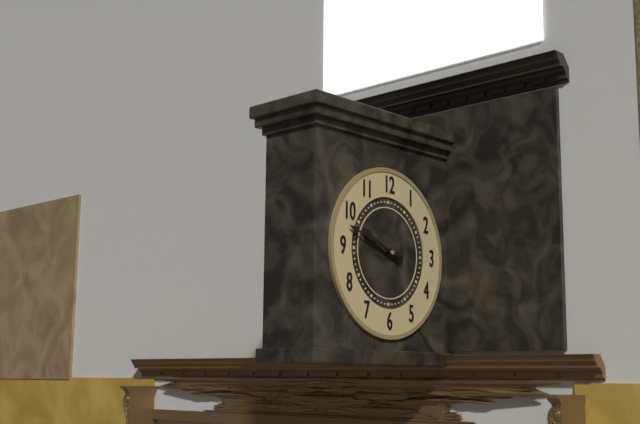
**9:48**
